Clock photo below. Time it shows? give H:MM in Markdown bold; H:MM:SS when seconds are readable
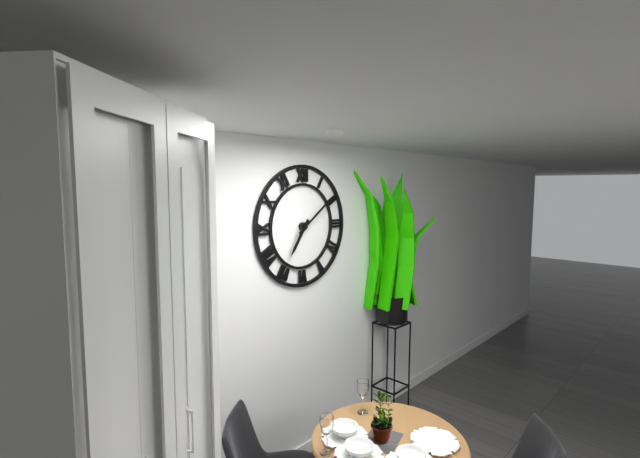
**7:09**
